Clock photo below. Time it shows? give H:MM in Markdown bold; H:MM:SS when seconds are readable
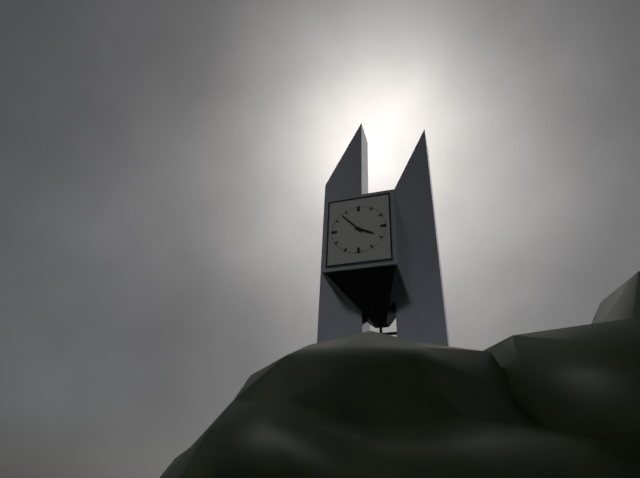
**3:53**
